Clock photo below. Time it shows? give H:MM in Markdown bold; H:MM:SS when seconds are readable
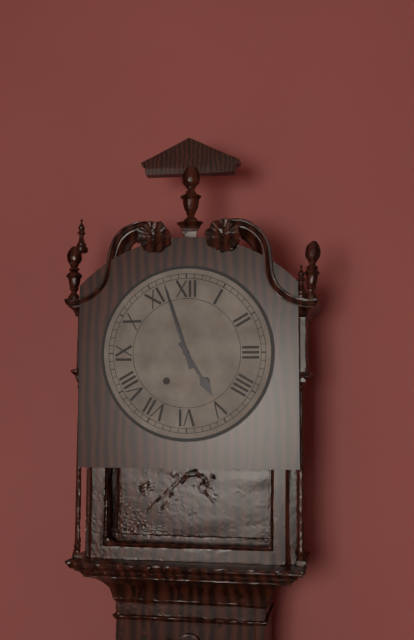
**4:57**
